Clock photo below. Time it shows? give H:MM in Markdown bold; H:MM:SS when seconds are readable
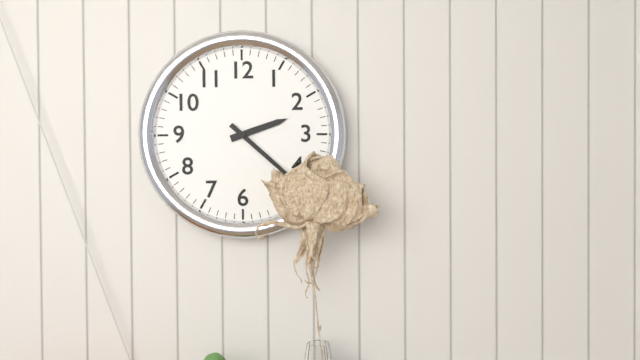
**2:22**
